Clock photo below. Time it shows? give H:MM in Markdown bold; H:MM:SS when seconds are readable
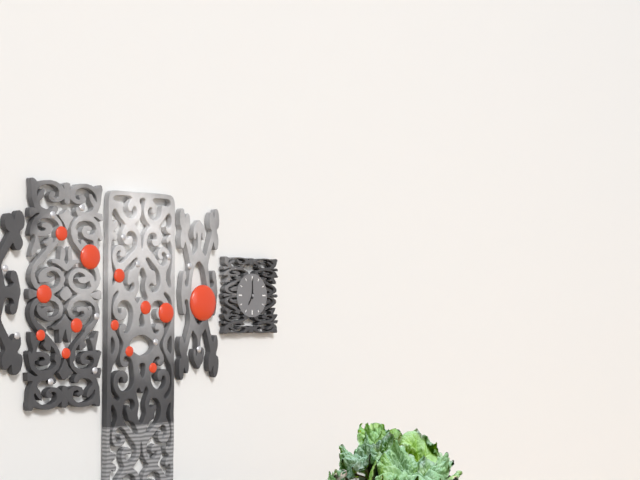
**7:00**
